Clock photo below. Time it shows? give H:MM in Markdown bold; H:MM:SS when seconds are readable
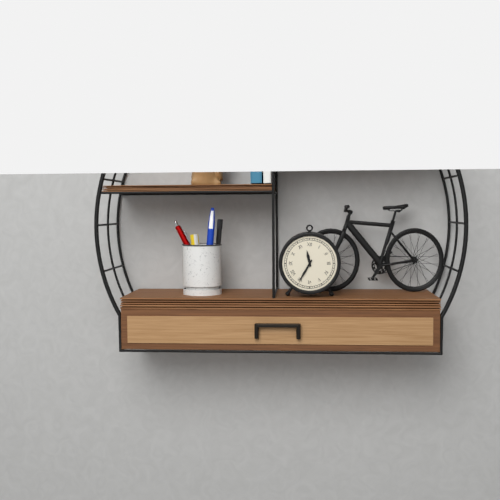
**11:35**
